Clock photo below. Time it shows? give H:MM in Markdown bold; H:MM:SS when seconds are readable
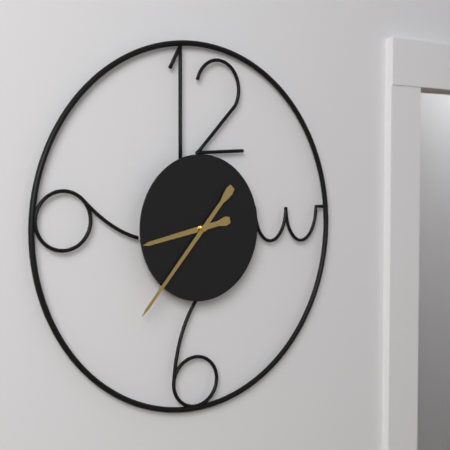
**8:37**
